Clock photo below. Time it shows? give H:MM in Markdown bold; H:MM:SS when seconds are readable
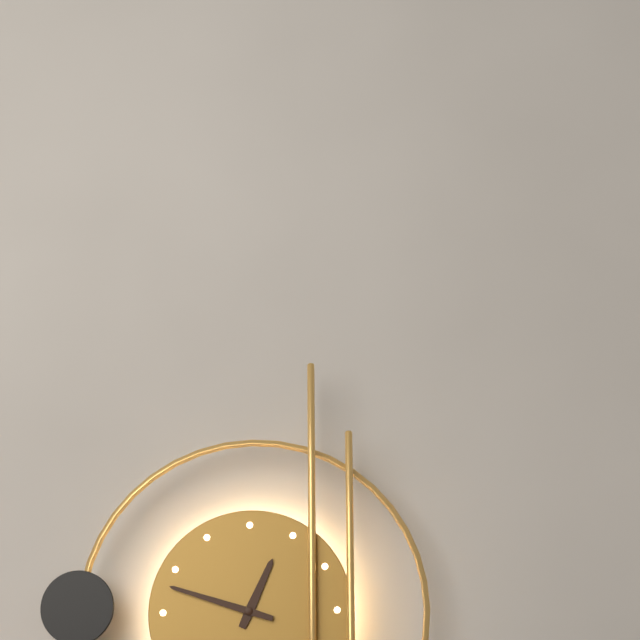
**12:48**
